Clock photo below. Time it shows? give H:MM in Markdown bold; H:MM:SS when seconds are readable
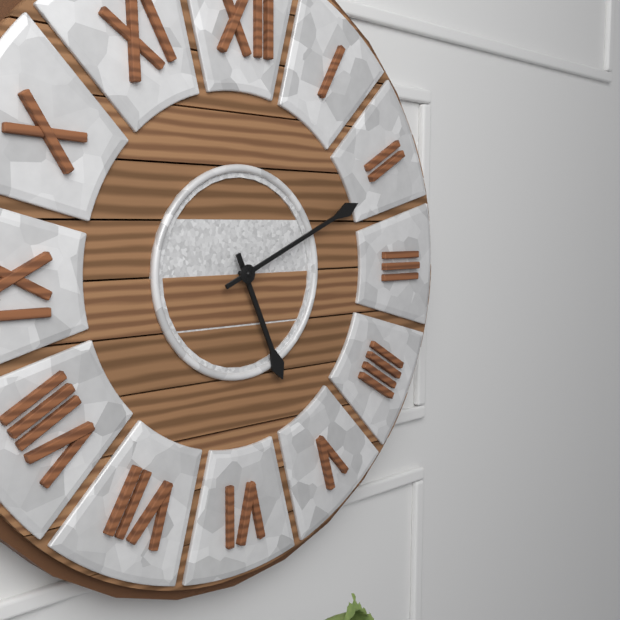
**5:11**
